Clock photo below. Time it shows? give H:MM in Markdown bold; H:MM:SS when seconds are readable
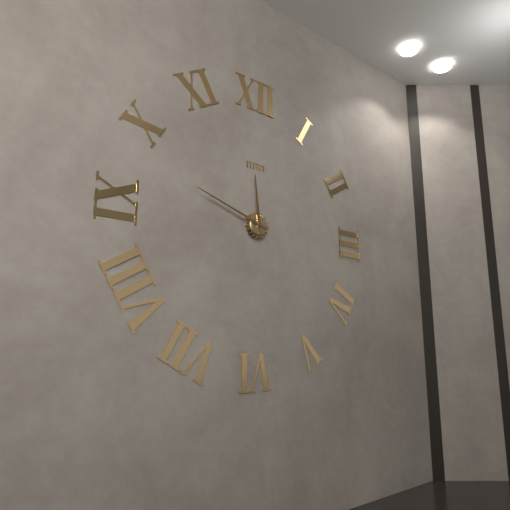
**11:48**
